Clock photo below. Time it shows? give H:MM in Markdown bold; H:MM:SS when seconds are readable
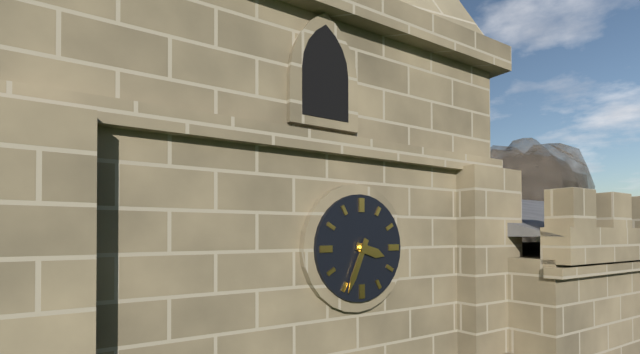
**3:34**
